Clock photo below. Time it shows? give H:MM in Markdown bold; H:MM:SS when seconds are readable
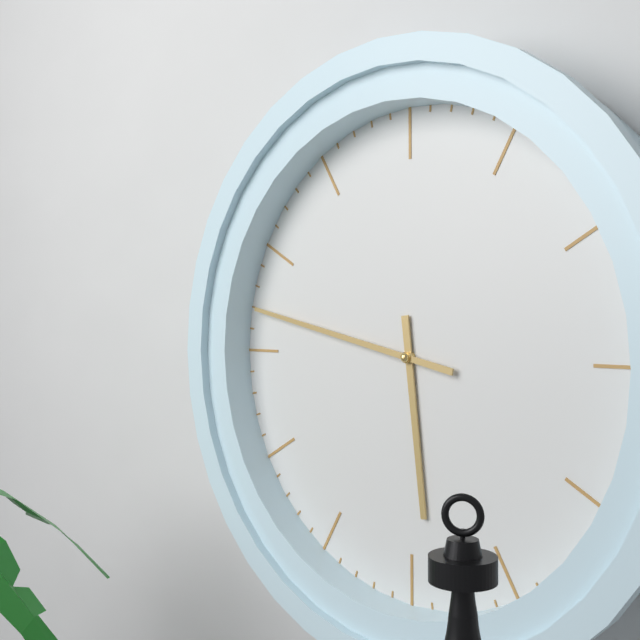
**5:47**
